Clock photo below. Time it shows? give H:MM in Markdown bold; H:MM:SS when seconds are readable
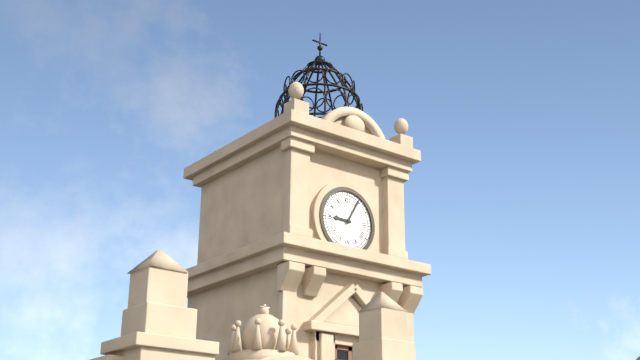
**9:05**
